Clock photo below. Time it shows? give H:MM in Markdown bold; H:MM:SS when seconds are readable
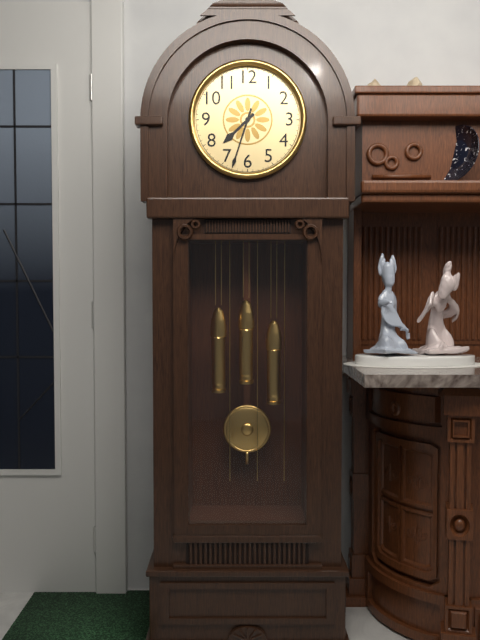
**7:33**
